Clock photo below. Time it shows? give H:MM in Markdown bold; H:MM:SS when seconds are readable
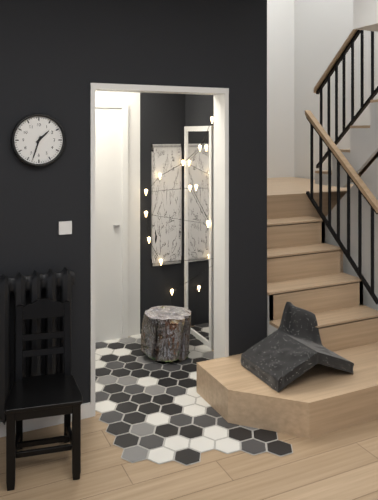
**1:33**
